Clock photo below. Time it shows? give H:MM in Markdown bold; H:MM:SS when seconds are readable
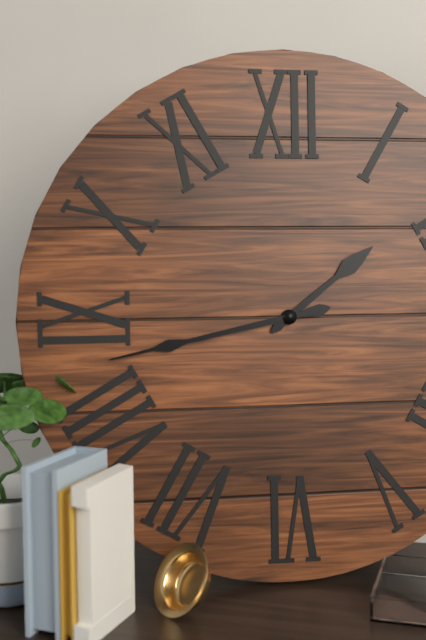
**1:43**
